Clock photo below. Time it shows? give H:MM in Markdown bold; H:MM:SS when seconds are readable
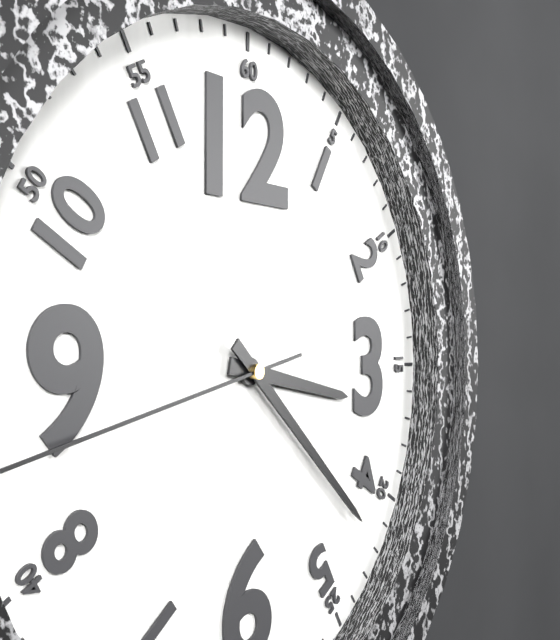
**3:22**
